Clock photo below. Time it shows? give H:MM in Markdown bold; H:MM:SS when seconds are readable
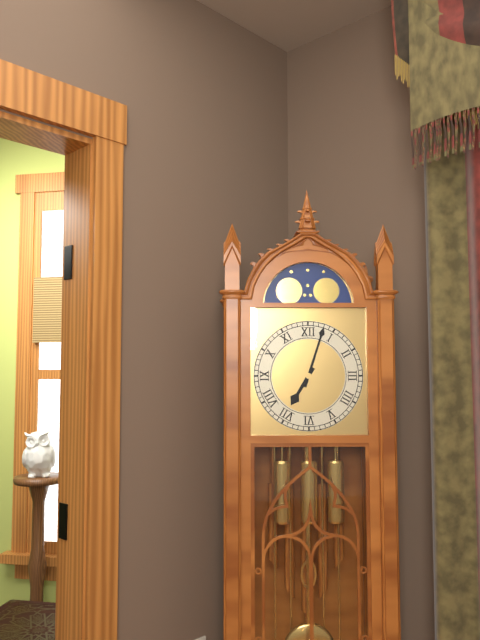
**7:03**
